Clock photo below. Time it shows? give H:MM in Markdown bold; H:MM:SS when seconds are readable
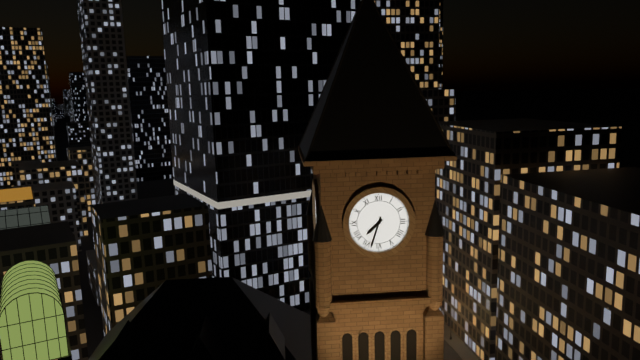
**7:33**
